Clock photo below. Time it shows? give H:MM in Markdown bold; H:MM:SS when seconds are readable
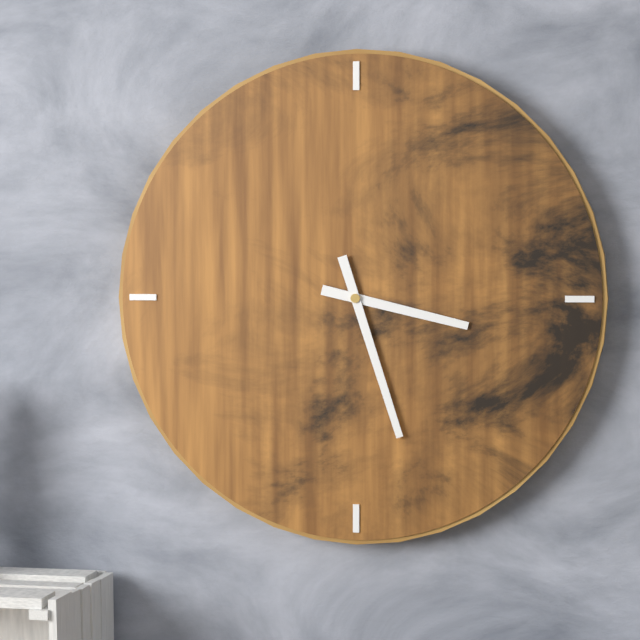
**3:27**
